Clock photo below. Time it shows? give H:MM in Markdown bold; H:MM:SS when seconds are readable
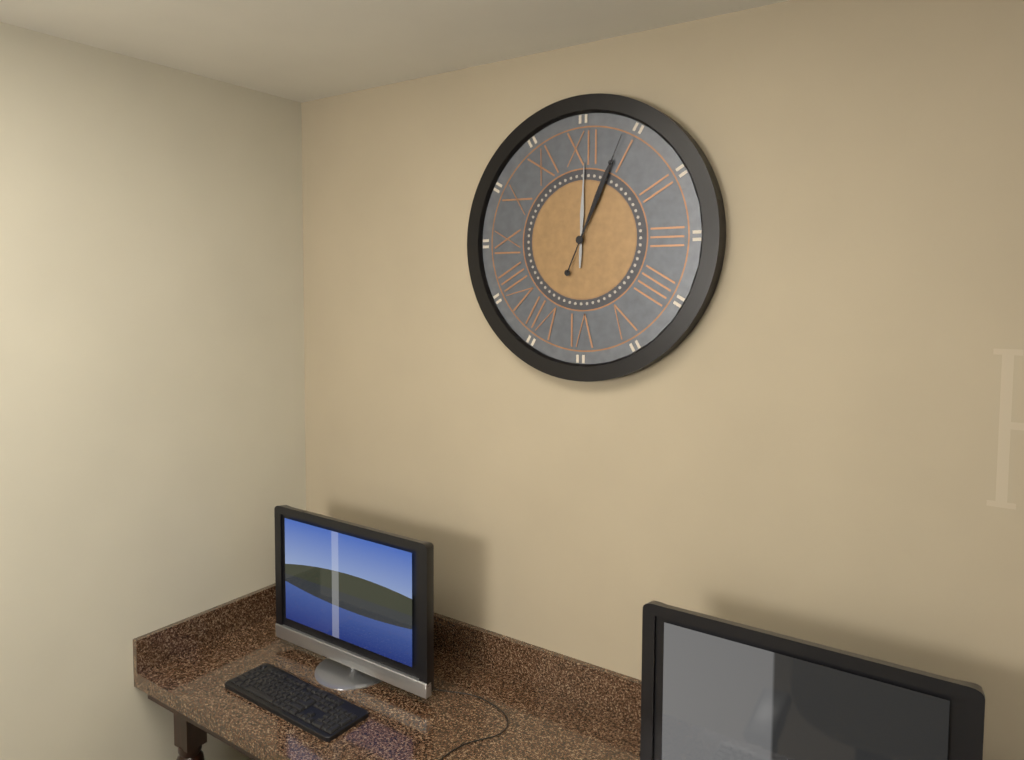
**12:04**
